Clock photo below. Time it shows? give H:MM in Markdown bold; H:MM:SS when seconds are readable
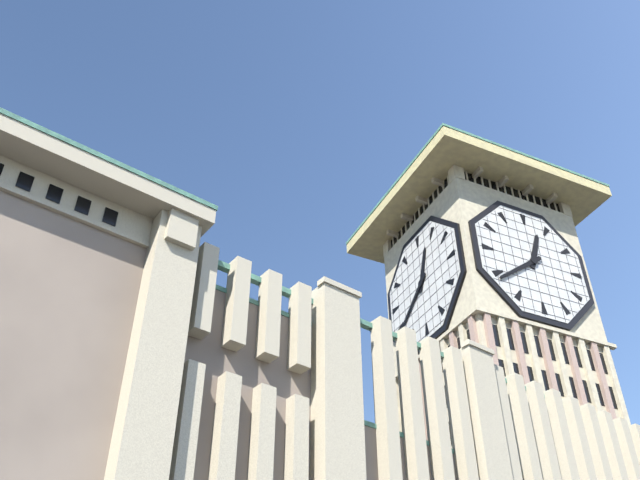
**12:39**
